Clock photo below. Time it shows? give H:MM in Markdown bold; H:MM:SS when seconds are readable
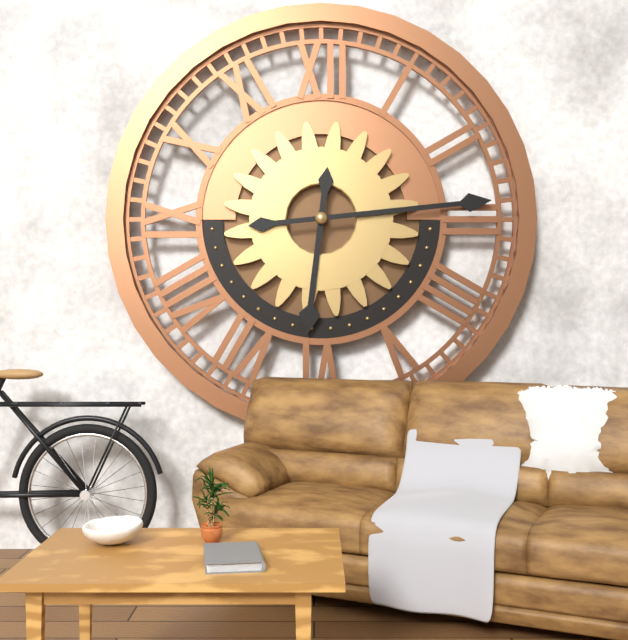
**6:14**
